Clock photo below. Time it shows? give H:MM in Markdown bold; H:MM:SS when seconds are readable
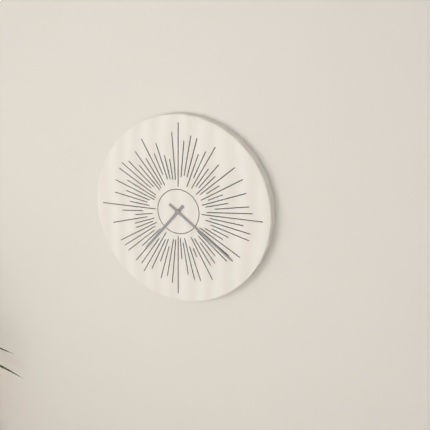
**7:21**
